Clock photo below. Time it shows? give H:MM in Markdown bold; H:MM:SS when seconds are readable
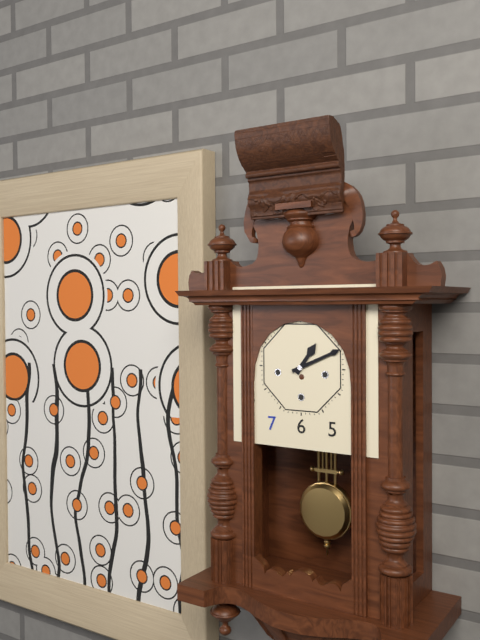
**1:11**
